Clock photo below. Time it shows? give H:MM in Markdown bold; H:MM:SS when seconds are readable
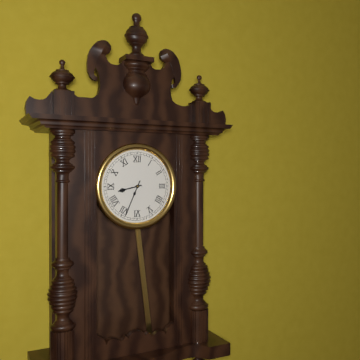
**8:34**
